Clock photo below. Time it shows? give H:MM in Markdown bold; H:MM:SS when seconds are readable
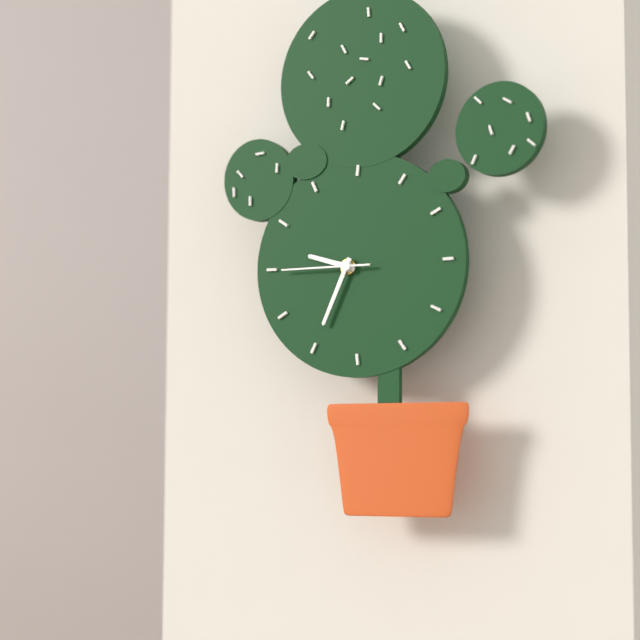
**9:34:45**
